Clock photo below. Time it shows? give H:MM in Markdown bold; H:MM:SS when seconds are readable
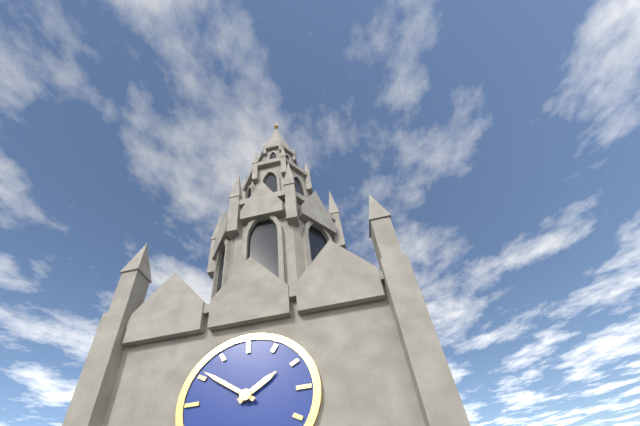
**1:51**
